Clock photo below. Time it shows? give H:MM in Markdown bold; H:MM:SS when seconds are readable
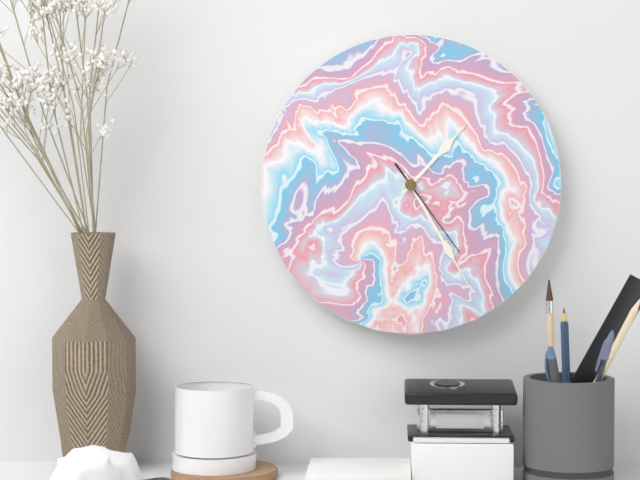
**1:25:24**
